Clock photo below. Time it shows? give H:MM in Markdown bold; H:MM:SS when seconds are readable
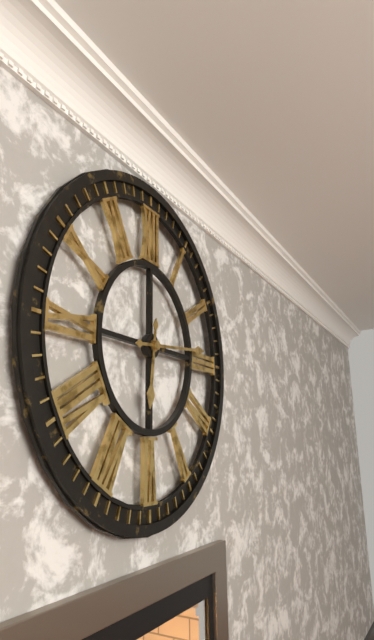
**6:14**
